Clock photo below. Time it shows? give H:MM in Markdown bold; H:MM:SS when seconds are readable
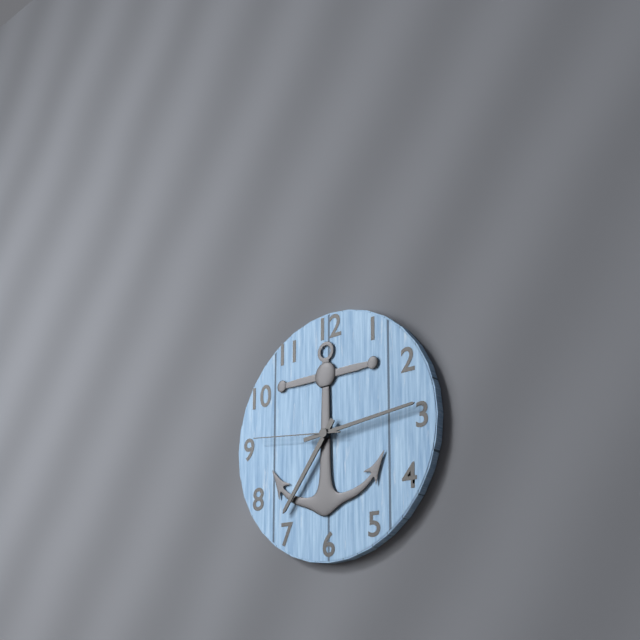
**7:14:46**
